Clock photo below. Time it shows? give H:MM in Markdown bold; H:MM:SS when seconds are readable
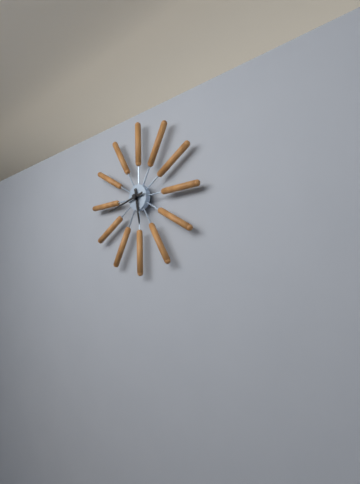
**5:43**
